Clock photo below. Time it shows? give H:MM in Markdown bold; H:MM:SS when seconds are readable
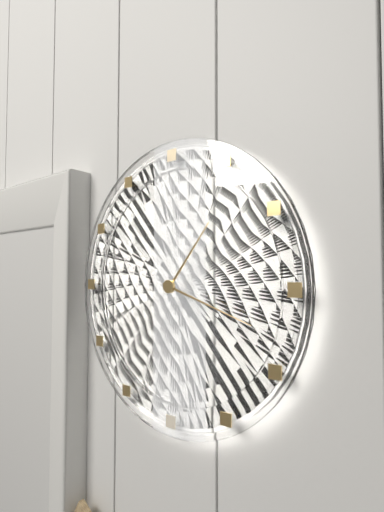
**1:18**
